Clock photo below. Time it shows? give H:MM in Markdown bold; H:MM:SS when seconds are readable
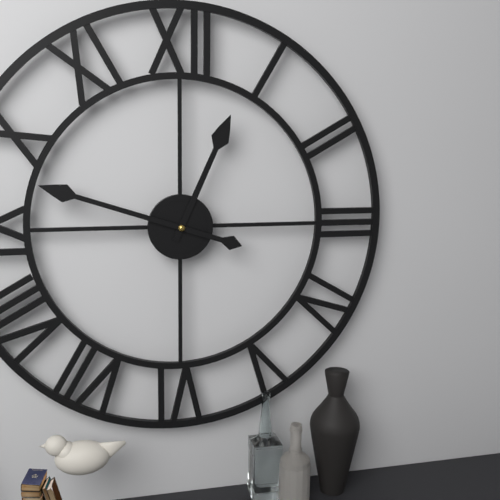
**12:48**
